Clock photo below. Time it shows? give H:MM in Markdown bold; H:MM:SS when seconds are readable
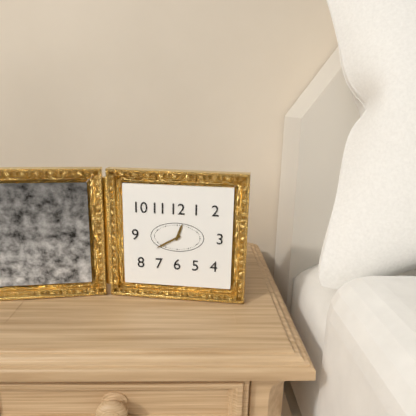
**12:40**
